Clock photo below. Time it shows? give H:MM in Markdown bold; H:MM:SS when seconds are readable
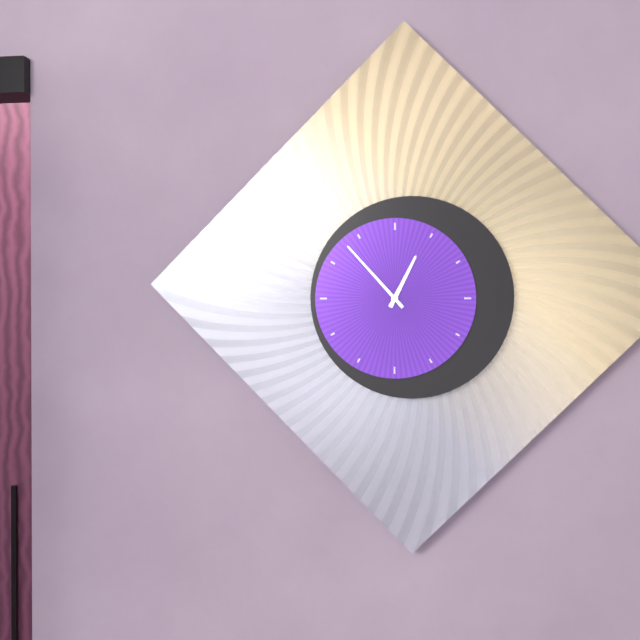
**12:53**
